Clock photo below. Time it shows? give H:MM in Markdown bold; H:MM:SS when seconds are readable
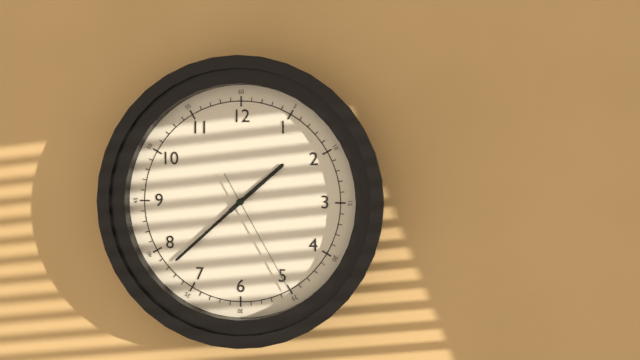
**1:38:25**
